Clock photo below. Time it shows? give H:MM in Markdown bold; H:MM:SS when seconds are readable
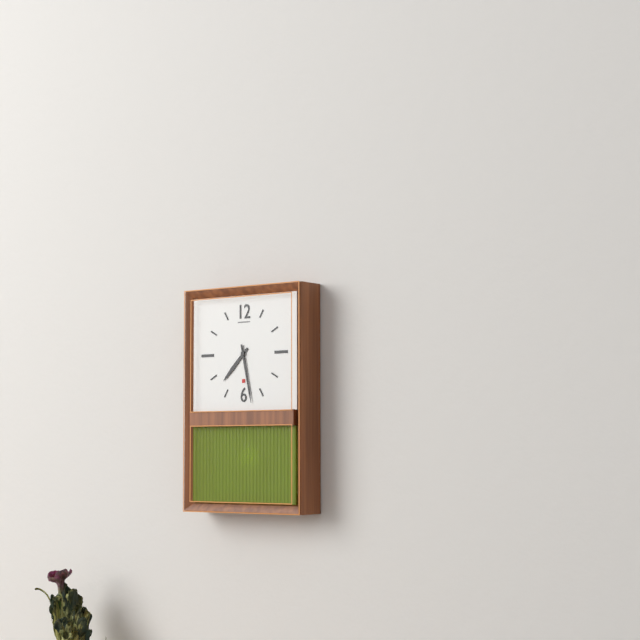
**7:28**
